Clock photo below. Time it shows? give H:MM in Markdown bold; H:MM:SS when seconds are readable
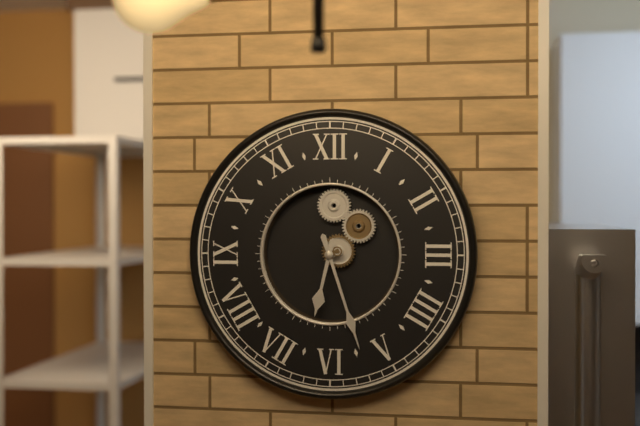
**6:27**
